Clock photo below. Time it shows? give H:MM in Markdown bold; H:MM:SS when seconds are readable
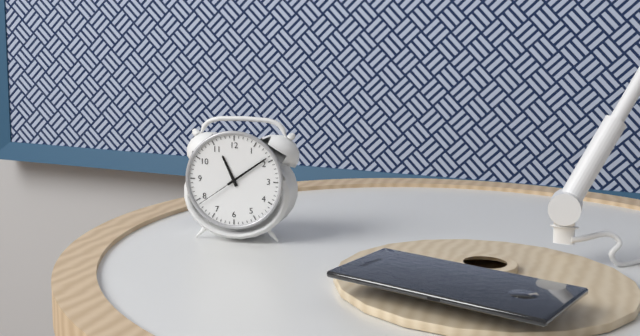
**11:09:39**
